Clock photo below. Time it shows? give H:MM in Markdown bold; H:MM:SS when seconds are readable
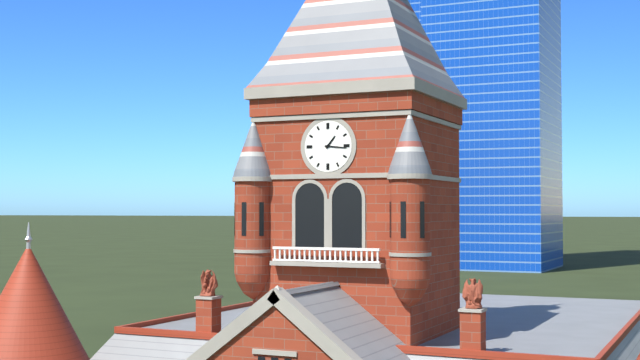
**1:16**
